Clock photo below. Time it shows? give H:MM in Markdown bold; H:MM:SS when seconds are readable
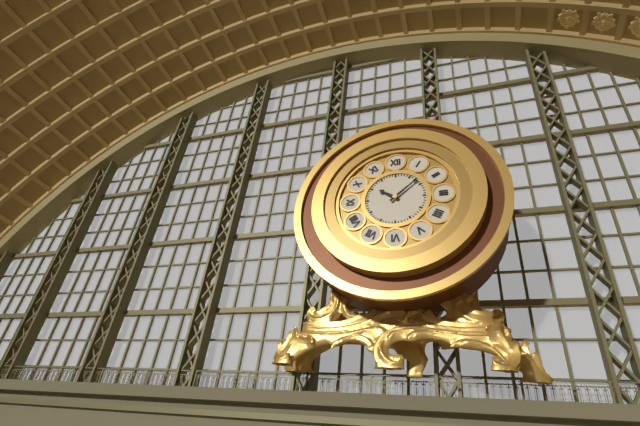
**10:08**
